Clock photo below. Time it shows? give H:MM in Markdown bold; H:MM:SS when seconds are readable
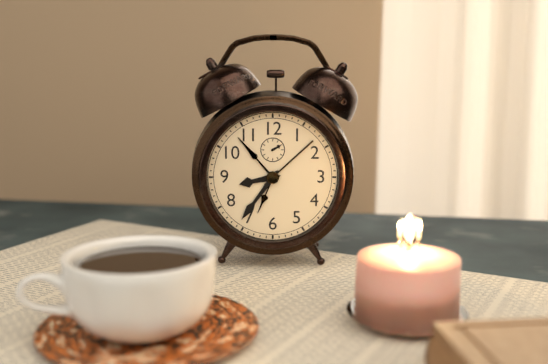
**8:36**
